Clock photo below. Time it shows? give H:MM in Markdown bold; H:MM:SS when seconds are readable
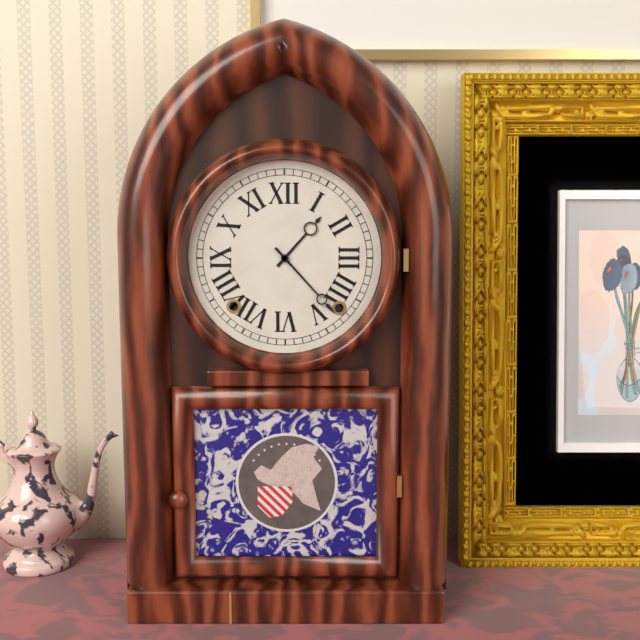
**1:23**
